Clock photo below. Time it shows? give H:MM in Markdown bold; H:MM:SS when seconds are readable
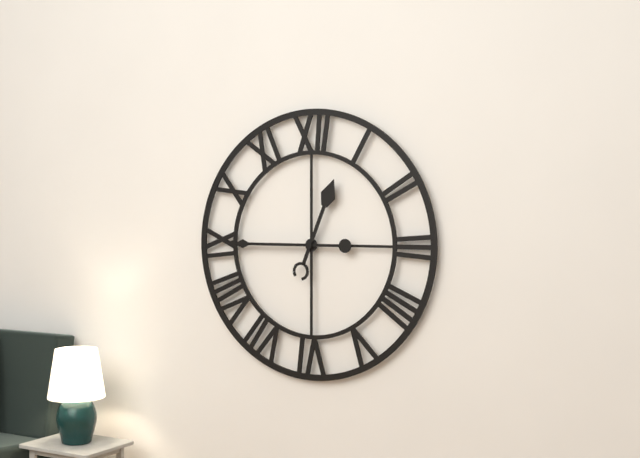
**12:45**
